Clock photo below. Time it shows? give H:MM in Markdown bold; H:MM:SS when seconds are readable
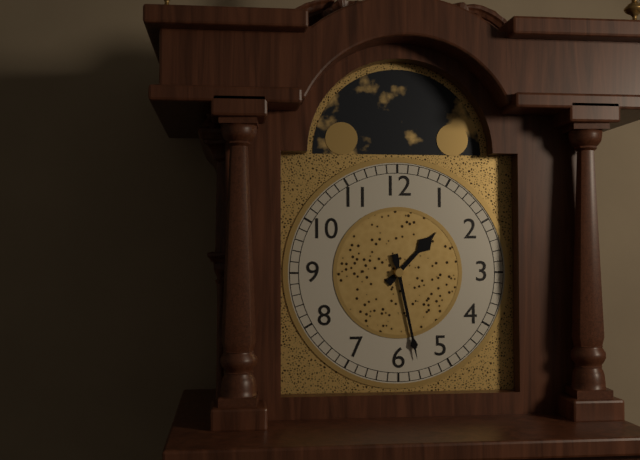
**1:28**
